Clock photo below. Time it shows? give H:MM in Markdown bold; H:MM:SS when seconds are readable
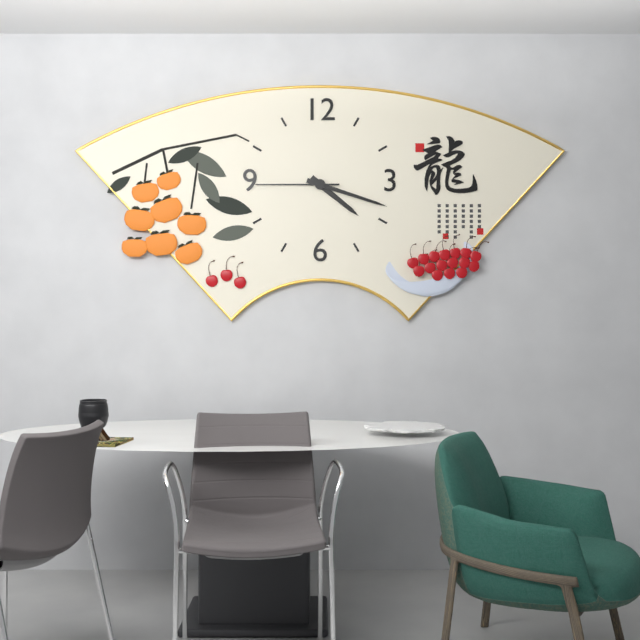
**4:18:45**
